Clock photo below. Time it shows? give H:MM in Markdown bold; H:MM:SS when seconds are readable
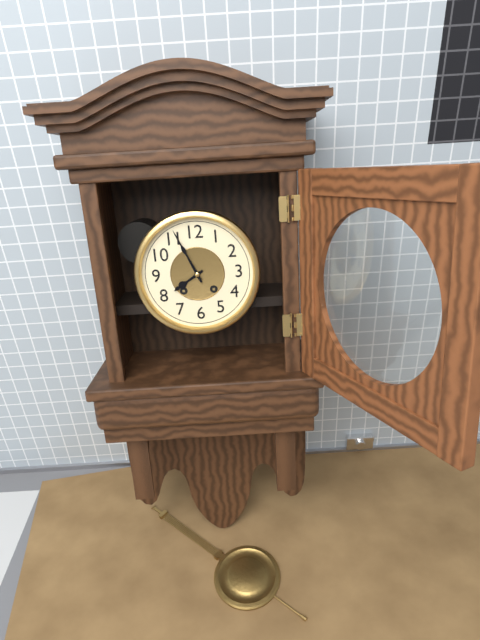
**7:56**
